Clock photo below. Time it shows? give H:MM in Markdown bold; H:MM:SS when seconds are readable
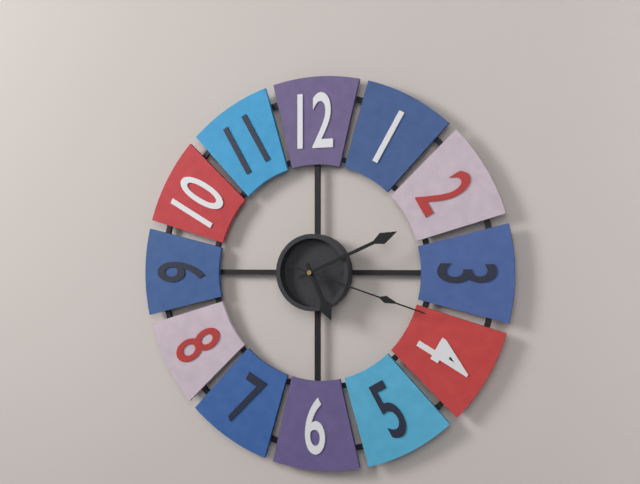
**5:11:18**
